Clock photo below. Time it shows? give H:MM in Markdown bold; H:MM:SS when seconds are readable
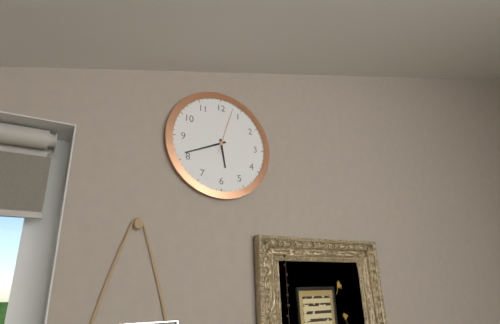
**5:41**
